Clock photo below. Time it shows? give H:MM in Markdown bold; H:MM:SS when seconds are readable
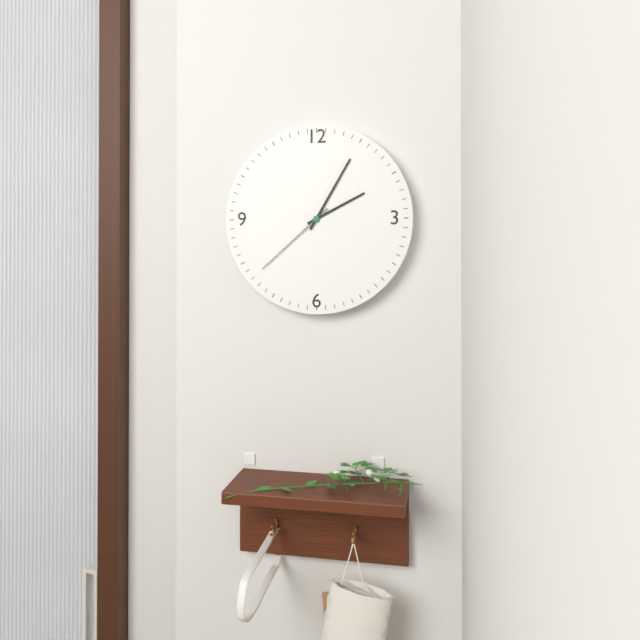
**2:05:38**
